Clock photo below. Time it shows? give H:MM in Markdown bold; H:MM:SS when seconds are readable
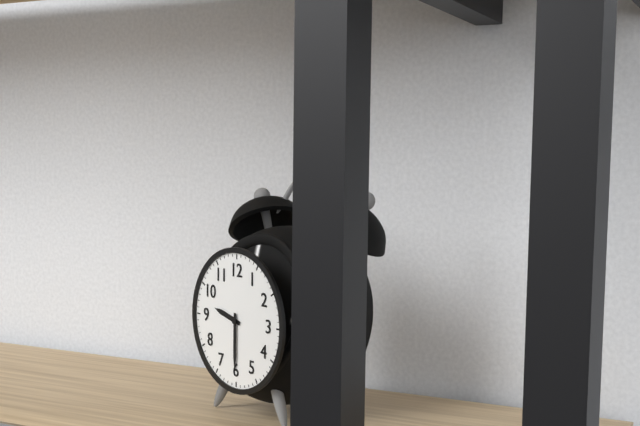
**9:30**
